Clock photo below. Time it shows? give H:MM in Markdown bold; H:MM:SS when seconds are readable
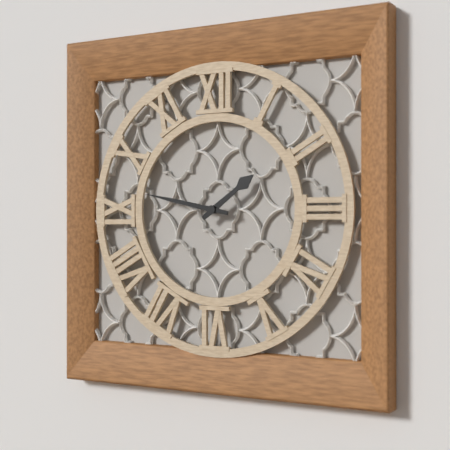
**1:47**
